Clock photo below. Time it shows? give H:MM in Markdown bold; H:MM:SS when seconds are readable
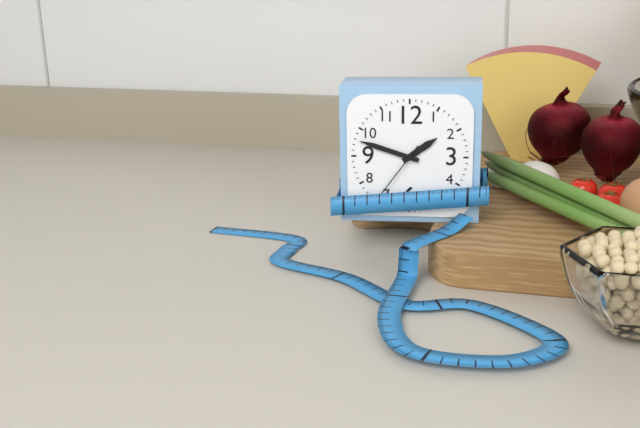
**1:48:36**
